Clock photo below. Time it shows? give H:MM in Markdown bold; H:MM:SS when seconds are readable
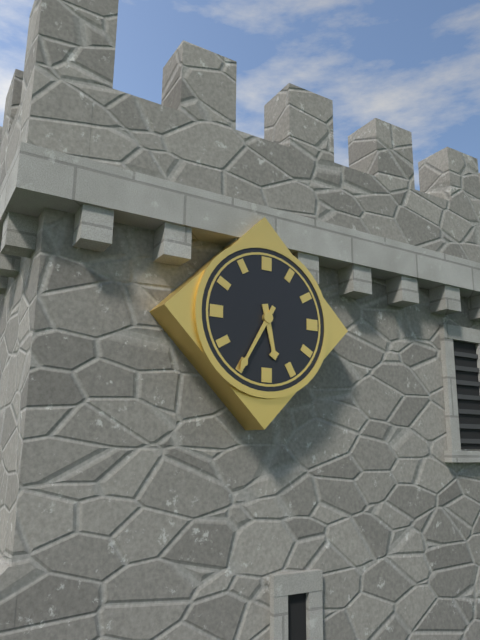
**5:35**
